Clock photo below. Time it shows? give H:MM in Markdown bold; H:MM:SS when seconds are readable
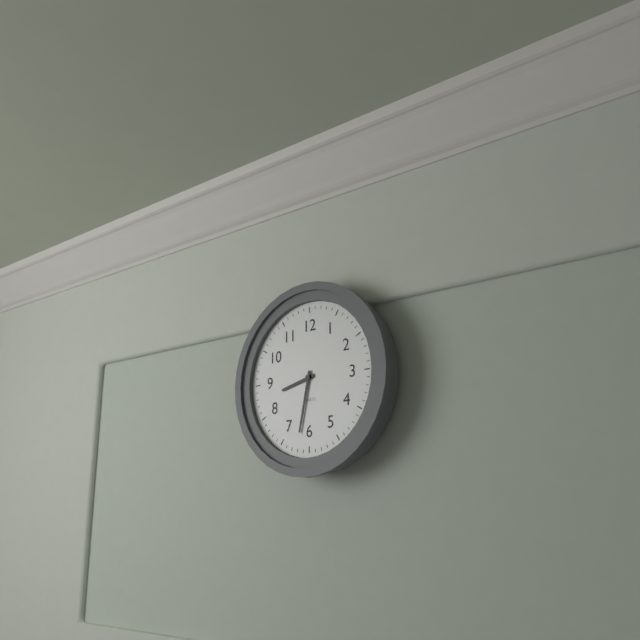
**8:32**
